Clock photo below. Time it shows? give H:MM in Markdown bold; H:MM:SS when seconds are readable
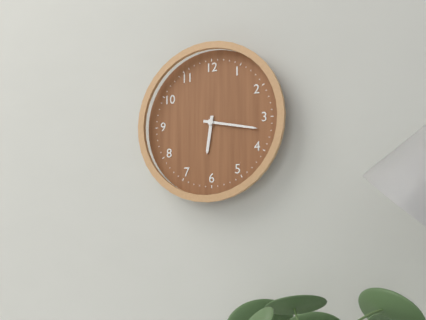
**6:17**
